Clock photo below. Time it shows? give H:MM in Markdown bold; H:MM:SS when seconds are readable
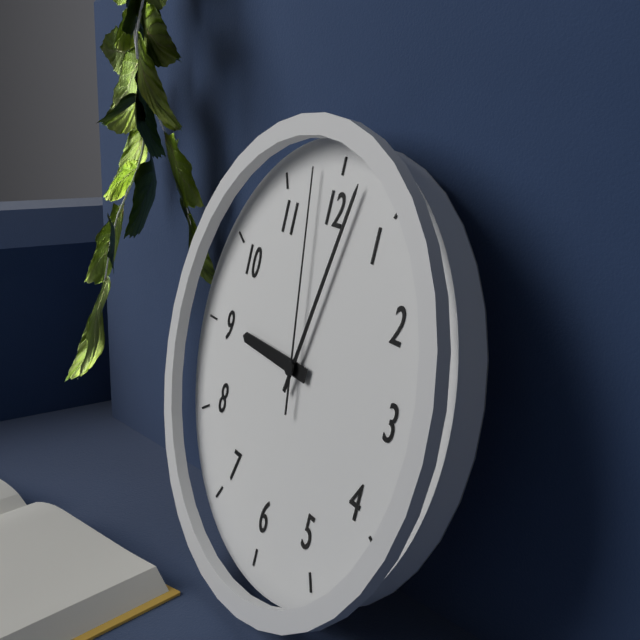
**9:02:58**
